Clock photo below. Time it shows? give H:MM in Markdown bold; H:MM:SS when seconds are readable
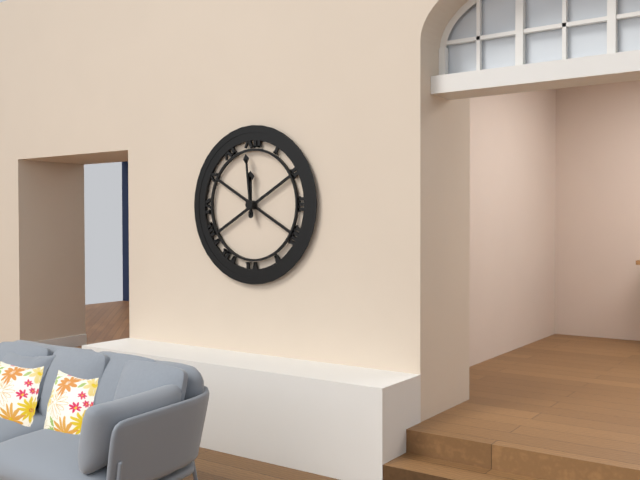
**11:59**
